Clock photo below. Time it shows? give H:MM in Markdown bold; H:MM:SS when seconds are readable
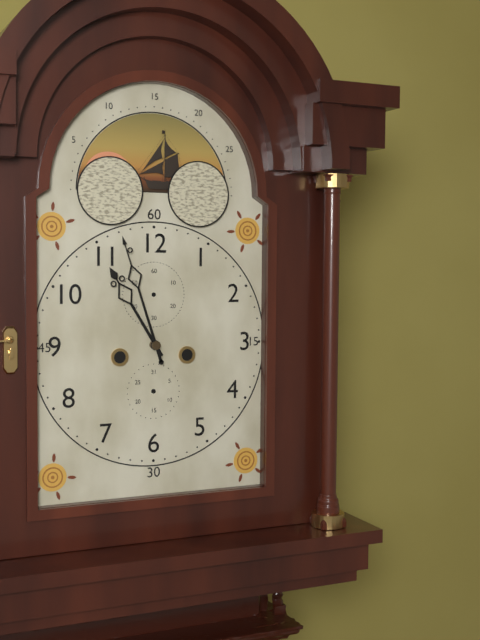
**10:57**
